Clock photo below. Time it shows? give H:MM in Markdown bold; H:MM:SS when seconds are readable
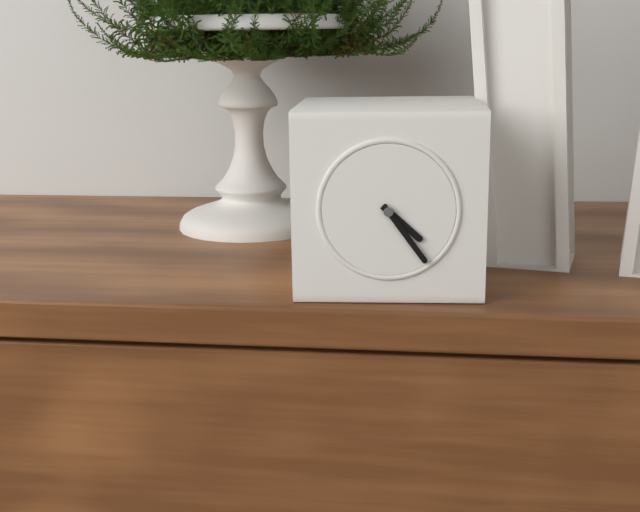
**4:24**
